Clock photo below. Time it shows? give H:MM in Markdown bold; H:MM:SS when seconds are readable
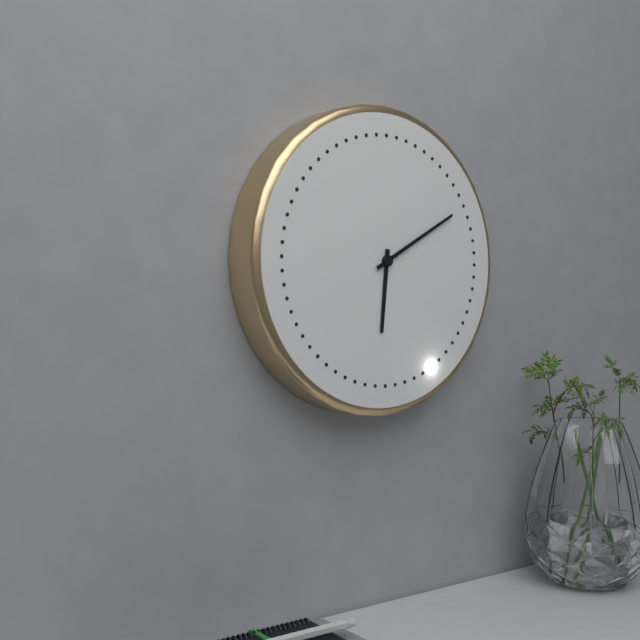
**6:10**
